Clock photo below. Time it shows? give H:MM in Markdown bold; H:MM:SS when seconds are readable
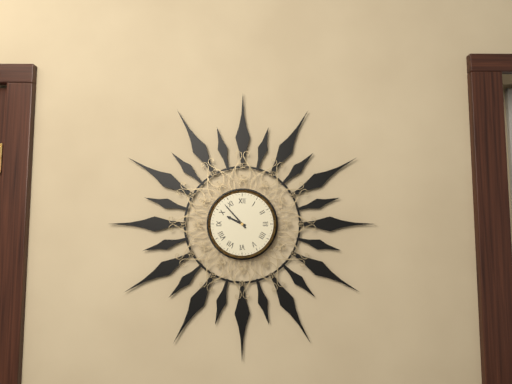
**9:53**
